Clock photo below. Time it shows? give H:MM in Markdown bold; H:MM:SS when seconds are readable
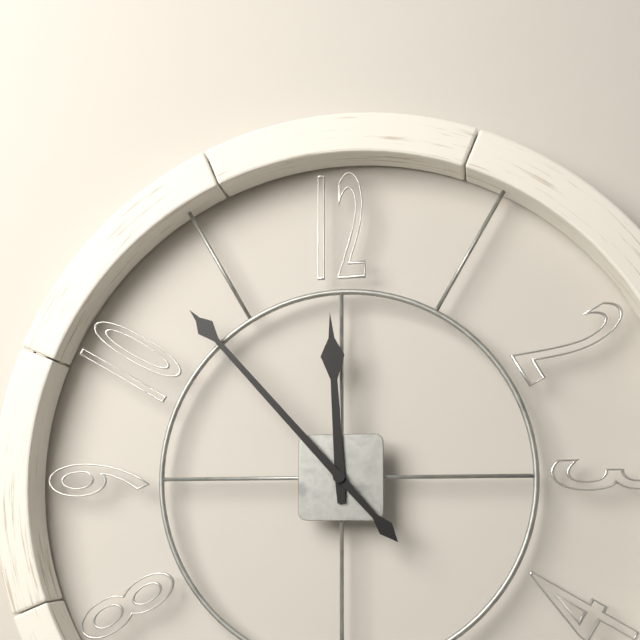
**11:53**
